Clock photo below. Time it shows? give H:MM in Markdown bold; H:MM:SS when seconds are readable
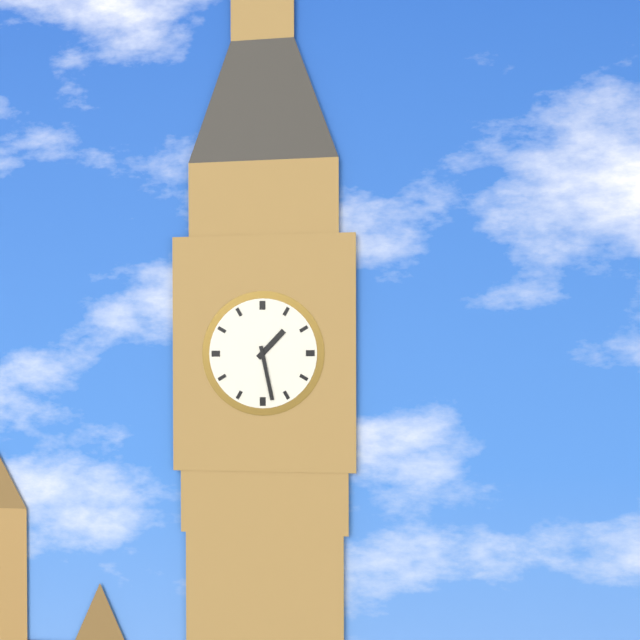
**1:28**
